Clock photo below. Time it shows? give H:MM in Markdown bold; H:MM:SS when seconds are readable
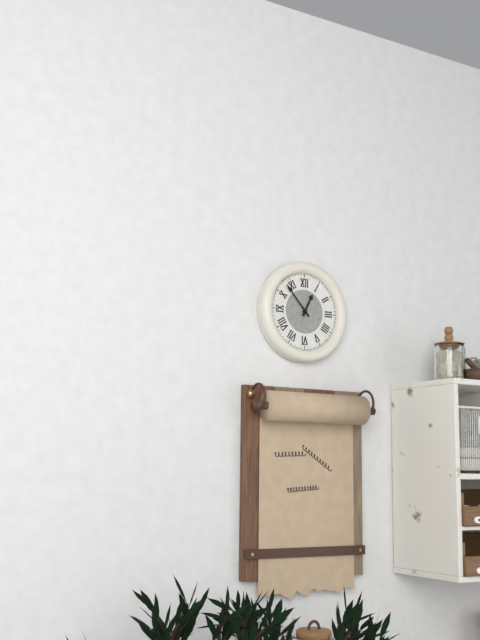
**12:53**
